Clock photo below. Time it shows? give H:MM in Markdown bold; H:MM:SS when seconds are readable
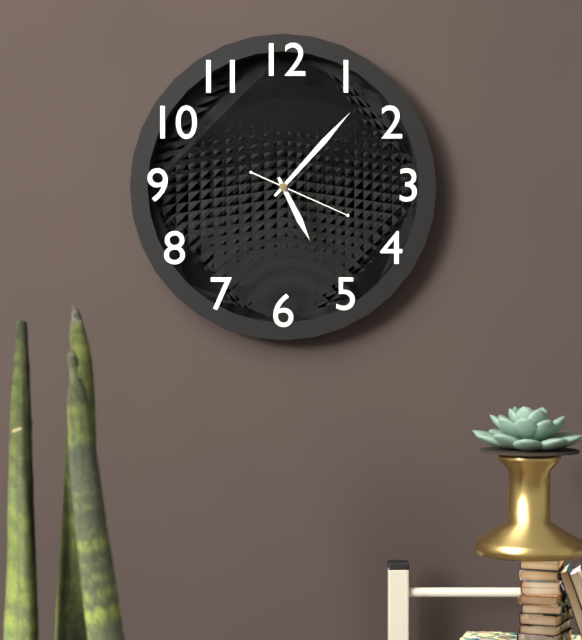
**5:07:19**
